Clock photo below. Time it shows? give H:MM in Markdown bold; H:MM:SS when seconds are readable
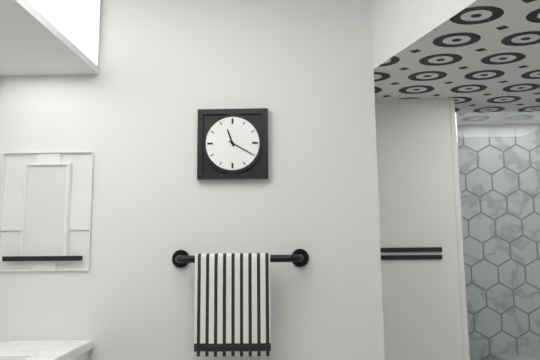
**11:20**
